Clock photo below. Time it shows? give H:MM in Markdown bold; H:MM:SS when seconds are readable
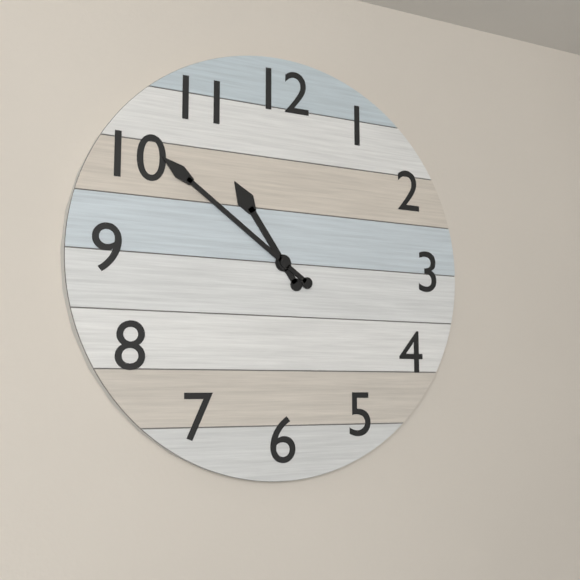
**10:51**
